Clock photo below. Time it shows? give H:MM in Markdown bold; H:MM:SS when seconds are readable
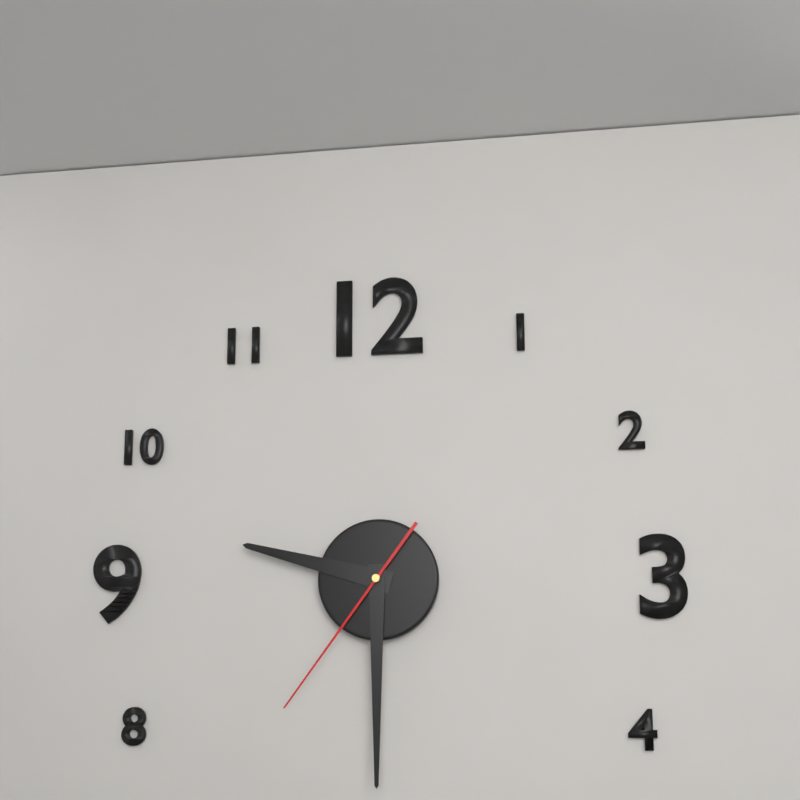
**9:30:36**
